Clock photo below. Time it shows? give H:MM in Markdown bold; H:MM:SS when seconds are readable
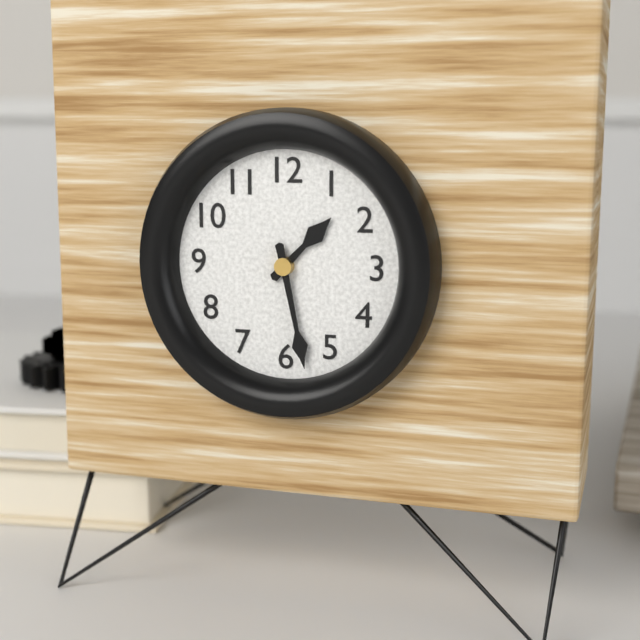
**1:28**
